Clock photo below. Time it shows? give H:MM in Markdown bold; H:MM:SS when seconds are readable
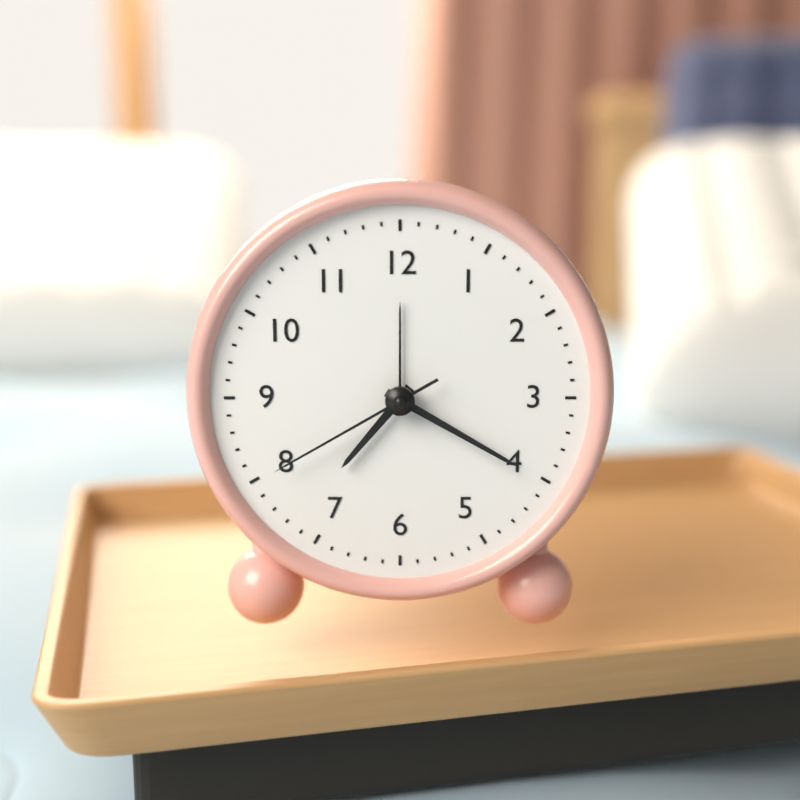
**7:20:40**
